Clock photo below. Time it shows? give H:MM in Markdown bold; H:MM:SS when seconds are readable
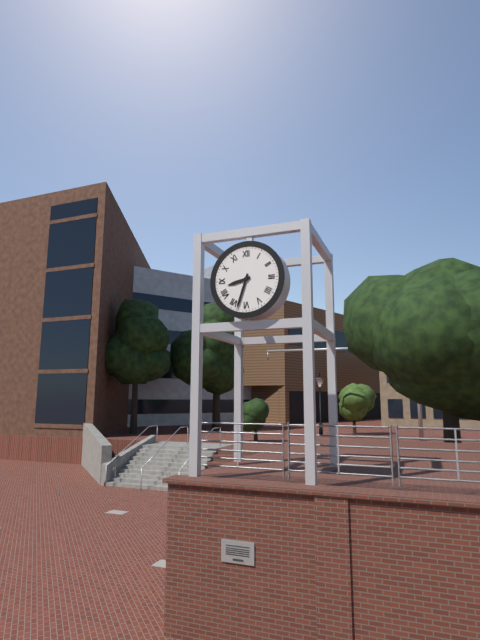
**8:33**
